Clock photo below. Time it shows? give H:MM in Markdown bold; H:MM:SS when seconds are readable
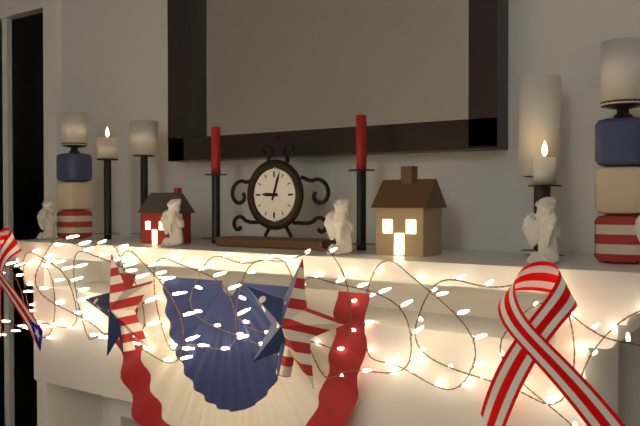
**9:03**
